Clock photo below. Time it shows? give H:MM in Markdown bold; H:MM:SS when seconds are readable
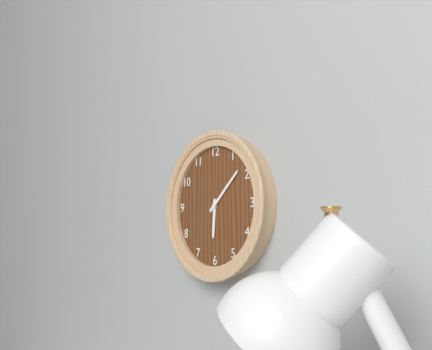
**6:08**
